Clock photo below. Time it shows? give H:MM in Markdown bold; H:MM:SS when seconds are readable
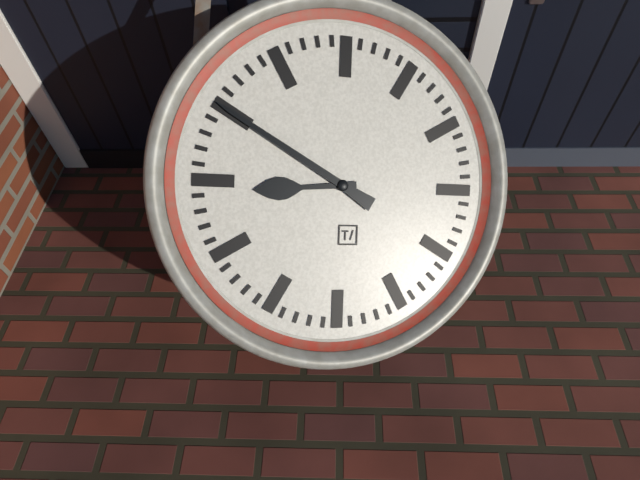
**8:50**
